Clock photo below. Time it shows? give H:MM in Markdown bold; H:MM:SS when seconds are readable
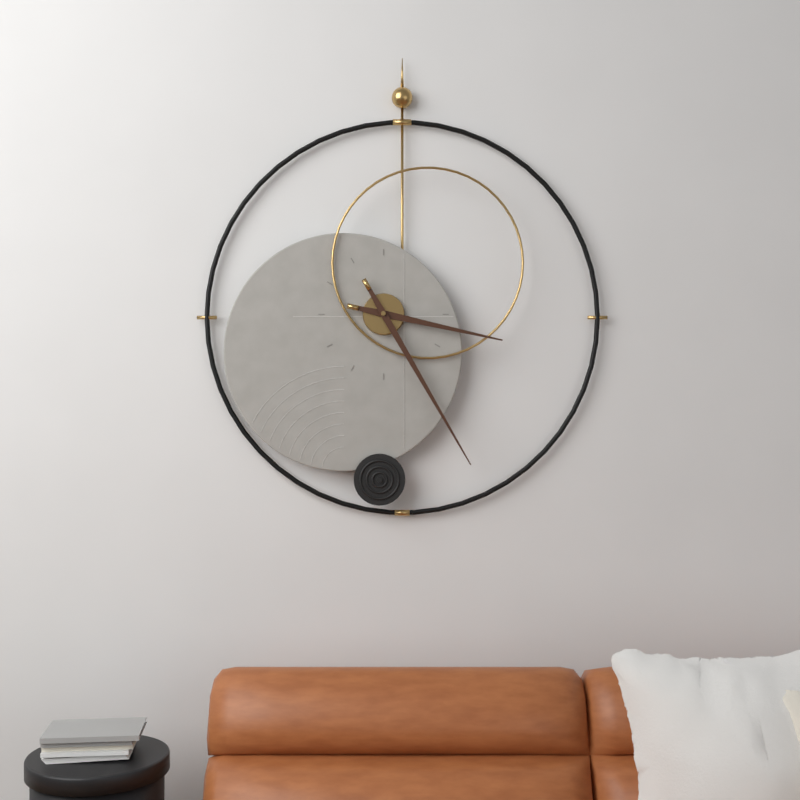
**3:25**
